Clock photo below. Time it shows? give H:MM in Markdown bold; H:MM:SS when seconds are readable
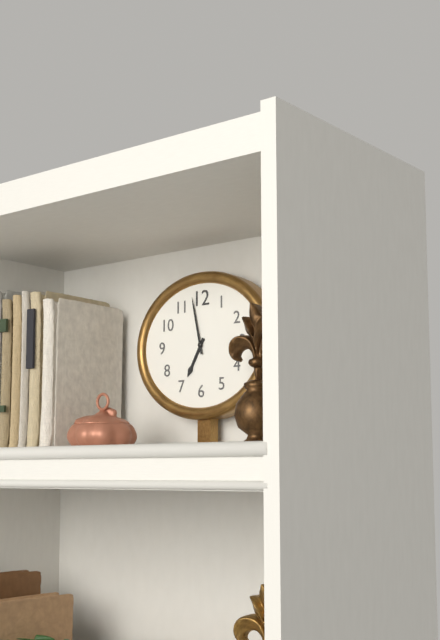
**6:58**
